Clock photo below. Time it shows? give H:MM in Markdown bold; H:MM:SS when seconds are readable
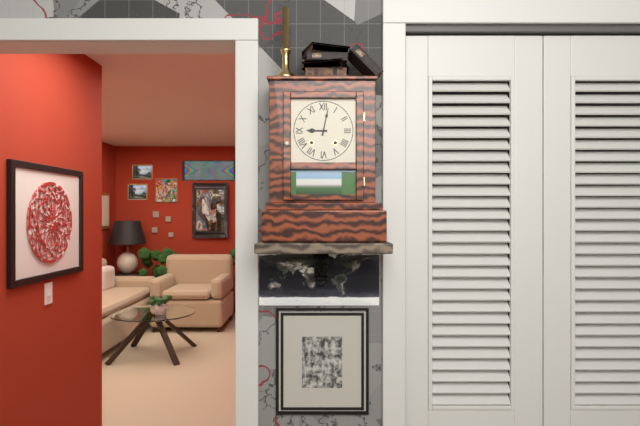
**9:02**
